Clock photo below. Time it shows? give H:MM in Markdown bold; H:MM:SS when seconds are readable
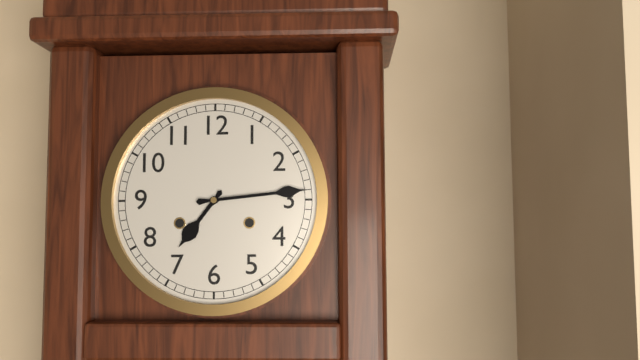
**7:14**
